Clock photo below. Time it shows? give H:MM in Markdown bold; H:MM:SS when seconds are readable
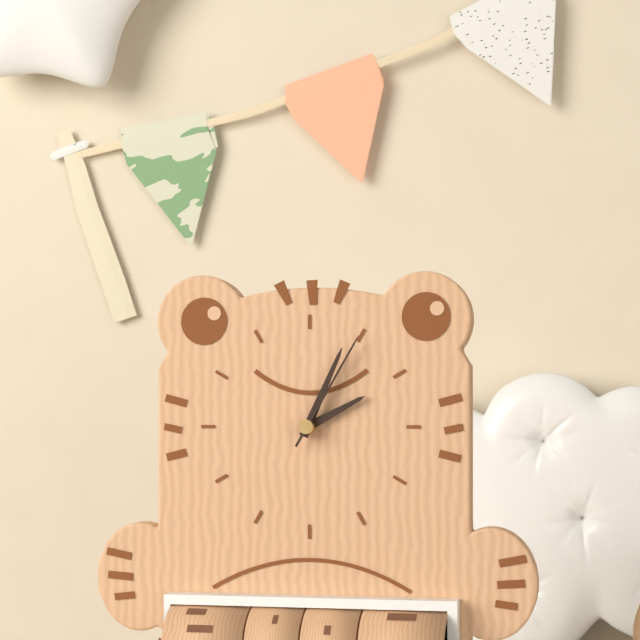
**2:04:05**
